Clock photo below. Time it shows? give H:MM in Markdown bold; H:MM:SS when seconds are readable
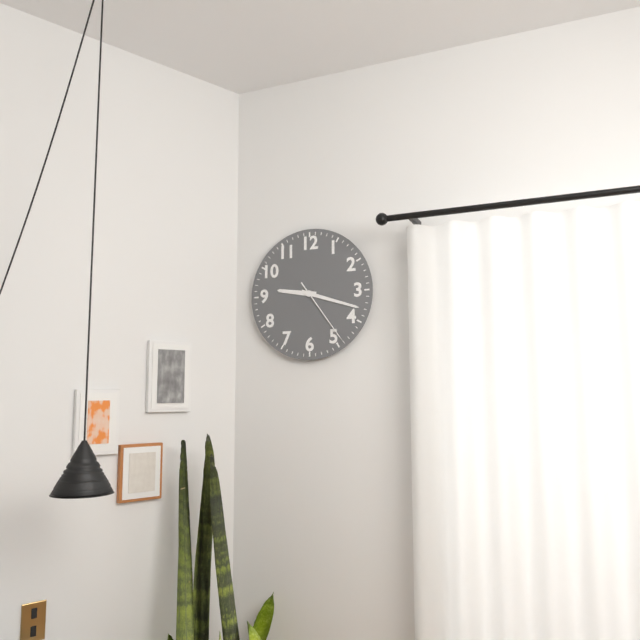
**9:18:24**
